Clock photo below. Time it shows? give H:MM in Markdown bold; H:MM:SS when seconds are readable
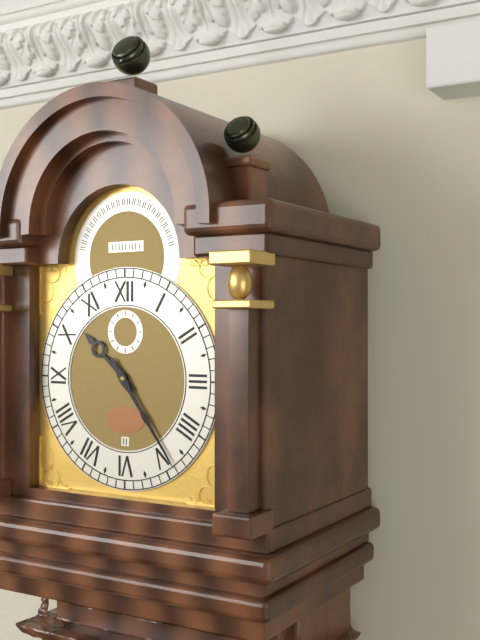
**10:24**
